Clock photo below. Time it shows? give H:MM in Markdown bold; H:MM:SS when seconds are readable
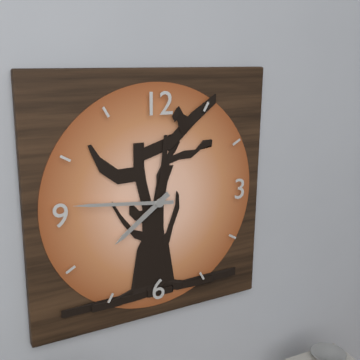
**7:46**
